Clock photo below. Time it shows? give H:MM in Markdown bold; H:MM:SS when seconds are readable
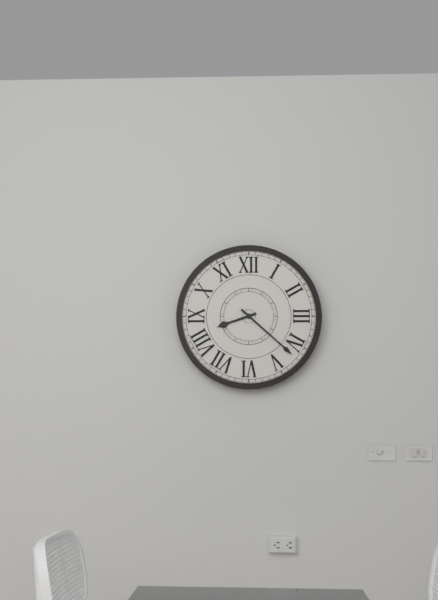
**8:22**
